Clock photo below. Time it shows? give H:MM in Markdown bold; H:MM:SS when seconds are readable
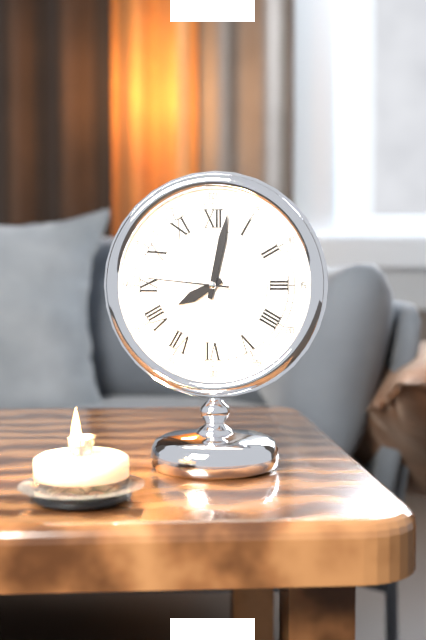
**8:02:46**
